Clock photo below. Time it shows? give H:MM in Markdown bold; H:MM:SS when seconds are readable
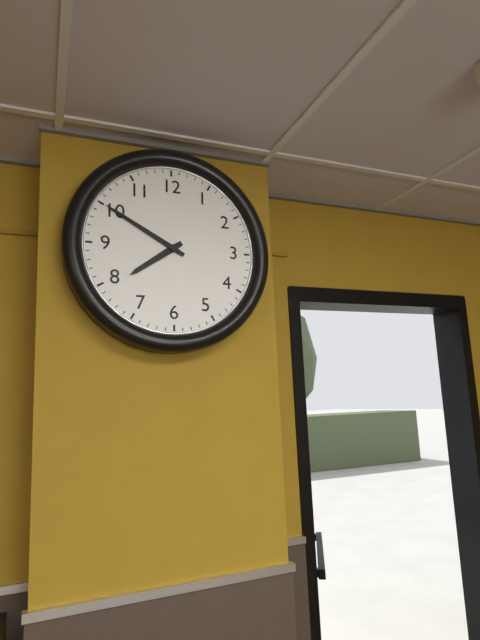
**7:50**
